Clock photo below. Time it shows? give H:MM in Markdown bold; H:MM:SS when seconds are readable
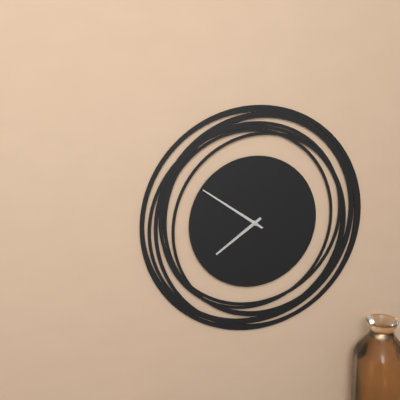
**7:51**
